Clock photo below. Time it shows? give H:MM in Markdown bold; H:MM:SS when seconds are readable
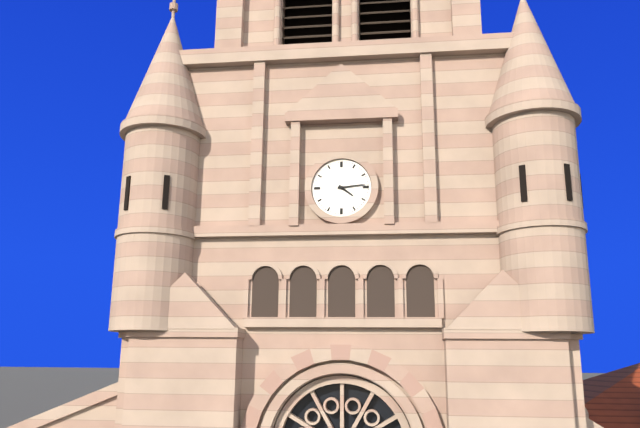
**4:14**
